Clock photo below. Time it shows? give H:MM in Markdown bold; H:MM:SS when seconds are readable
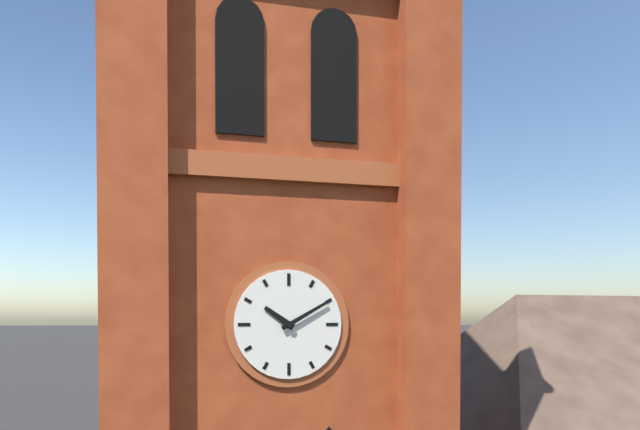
**10:10**
